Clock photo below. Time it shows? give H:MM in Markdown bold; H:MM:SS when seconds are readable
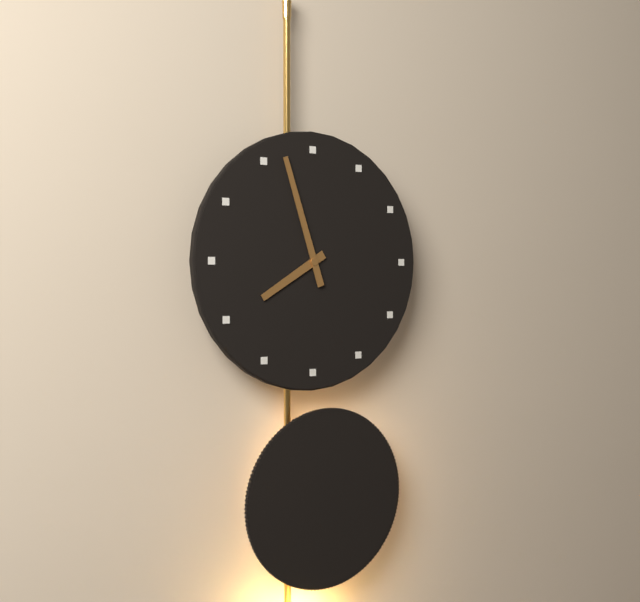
**7:57**
